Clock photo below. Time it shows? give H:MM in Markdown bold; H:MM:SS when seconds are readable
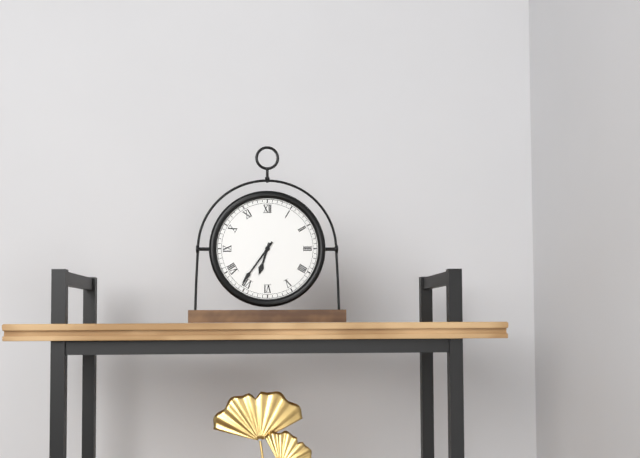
**6:36**
